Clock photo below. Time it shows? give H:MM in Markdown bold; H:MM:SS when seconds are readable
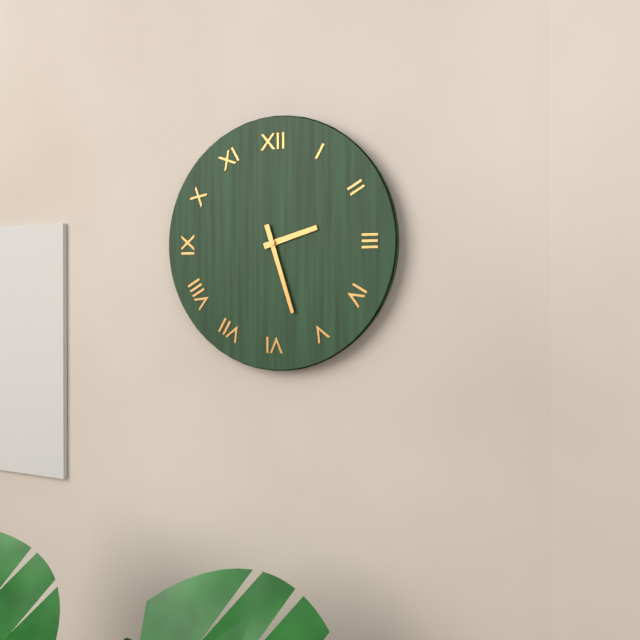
**2:27**
